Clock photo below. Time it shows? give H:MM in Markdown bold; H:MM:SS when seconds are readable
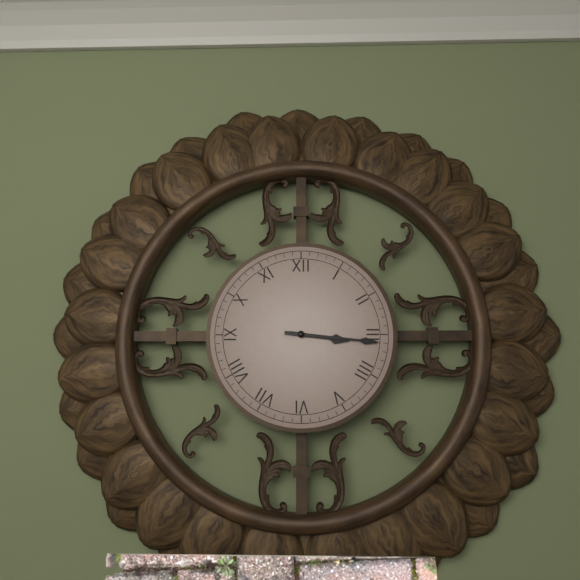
**3:16**
